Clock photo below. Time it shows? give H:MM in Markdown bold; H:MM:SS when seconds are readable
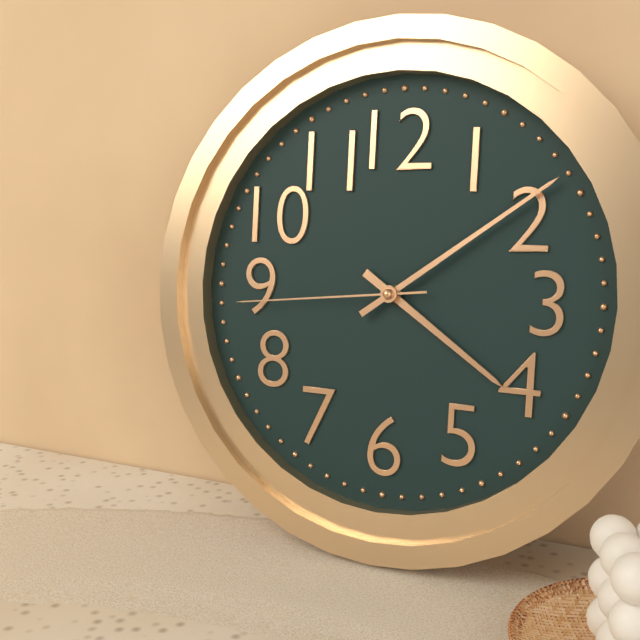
**4:09:44**
